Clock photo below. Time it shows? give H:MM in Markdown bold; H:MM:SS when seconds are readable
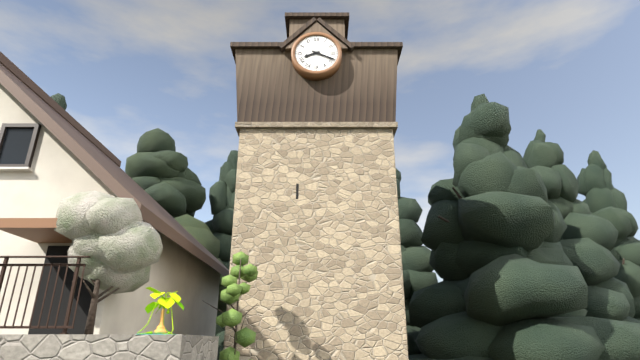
**8:19**
